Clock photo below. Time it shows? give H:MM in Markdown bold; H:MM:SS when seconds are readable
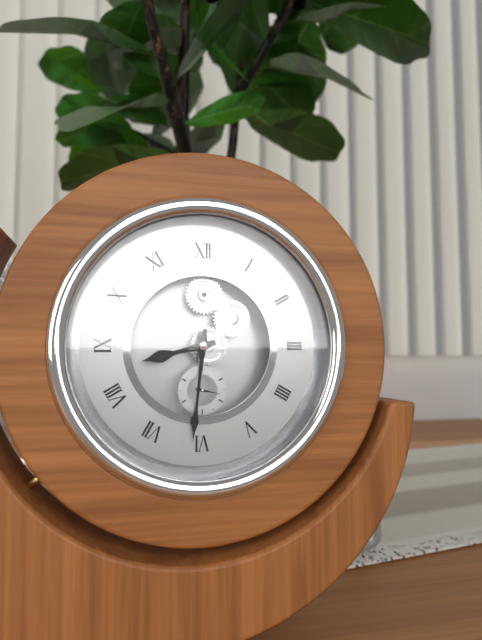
**8:31**
